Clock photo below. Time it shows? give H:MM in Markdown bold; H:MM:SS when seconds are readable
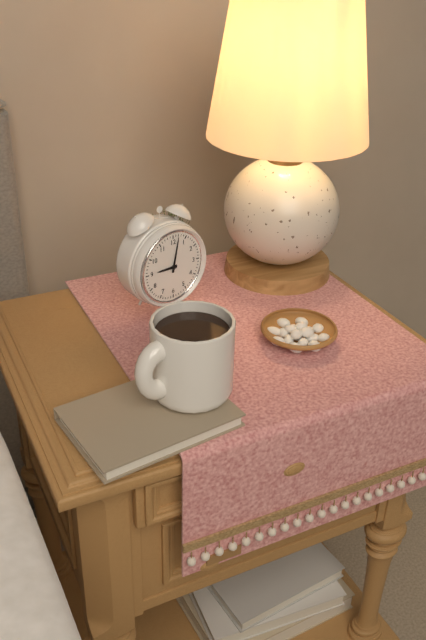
**9:02**
